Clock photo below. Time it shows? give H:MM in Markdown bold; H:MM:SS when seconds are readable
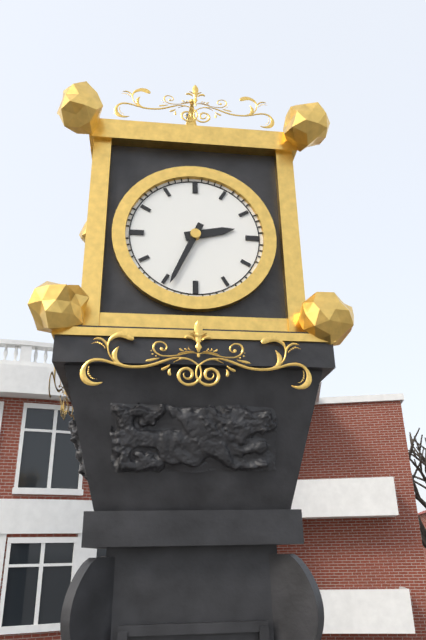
**2:34**
